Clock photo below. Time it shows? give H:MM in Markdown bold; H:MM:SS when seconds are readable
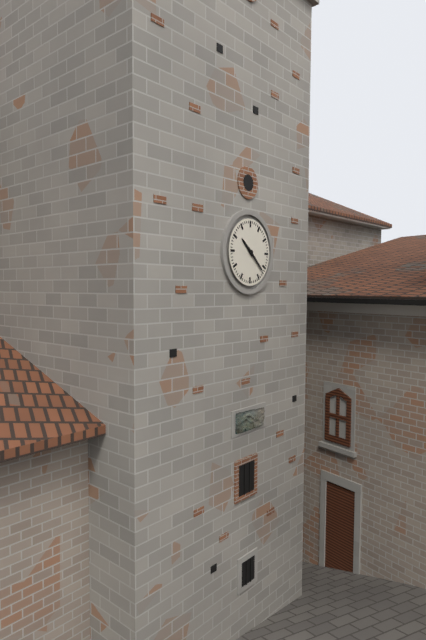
**10:22**
